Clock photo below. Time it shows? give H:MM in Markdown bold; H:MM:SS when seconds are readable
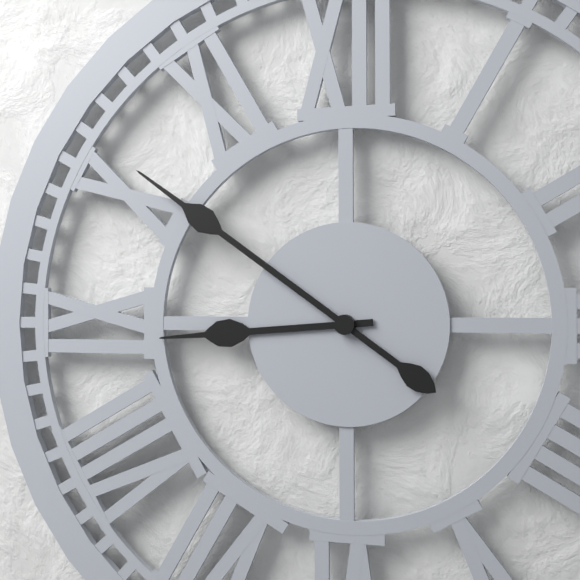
**8:51**
